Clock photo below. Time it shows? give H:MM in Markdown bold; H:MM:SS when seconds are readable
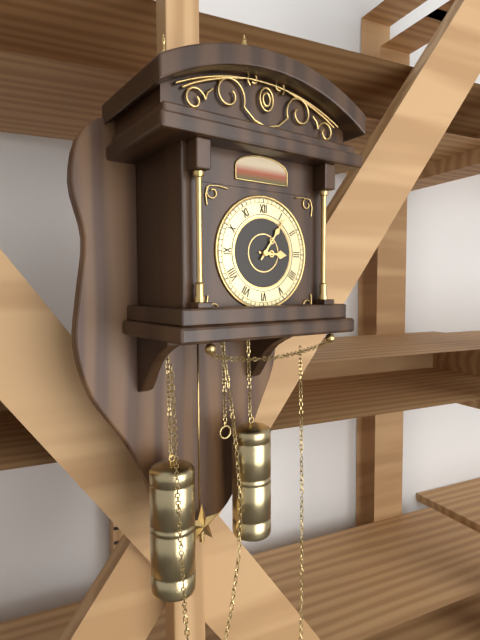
**3:06**
